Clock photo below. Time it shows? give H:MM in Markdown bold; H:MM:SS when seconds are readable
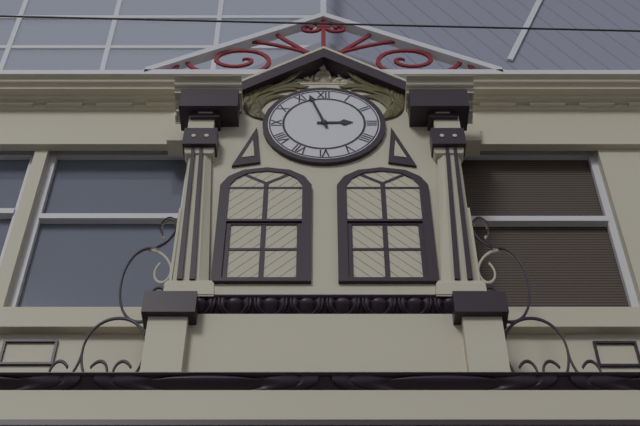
**2:57**
